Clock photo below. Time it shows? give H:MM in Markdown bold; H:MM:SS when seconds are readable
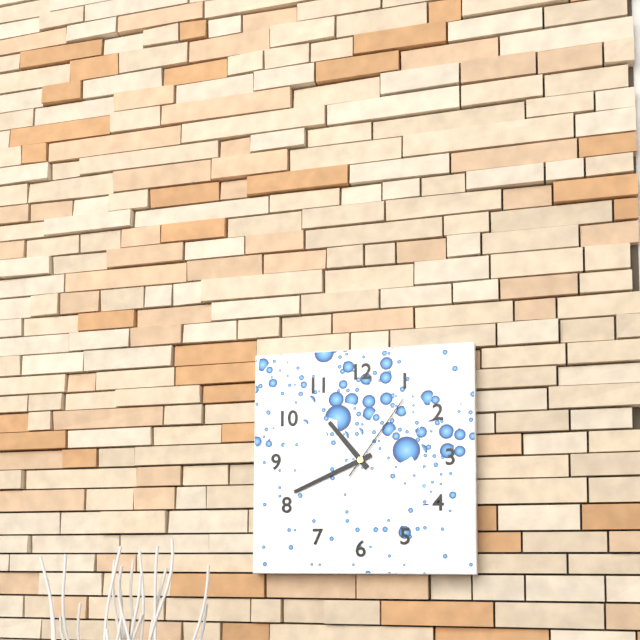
**10:41:06**
